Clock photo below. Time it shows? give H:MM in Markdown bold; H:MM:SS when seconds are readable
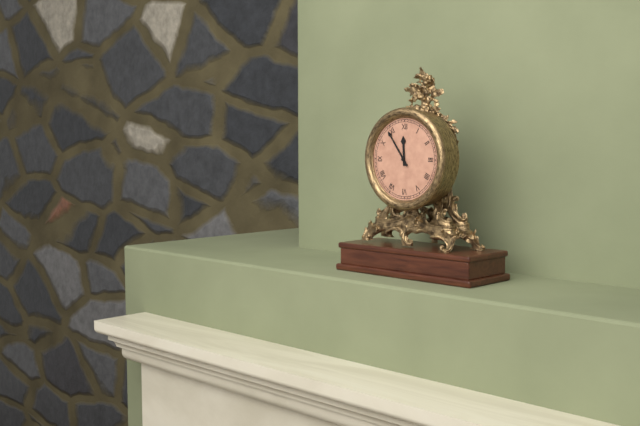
**11:54**
